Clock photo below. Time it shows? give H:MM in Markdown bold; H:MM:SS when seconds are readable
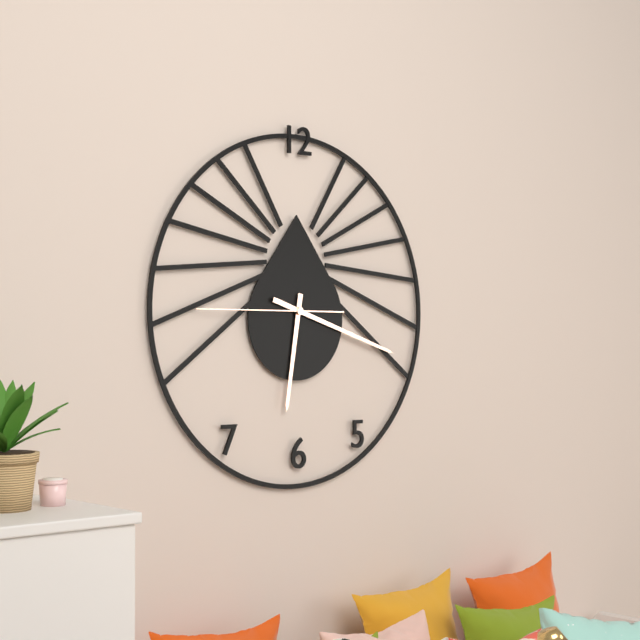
**6:18:45**
